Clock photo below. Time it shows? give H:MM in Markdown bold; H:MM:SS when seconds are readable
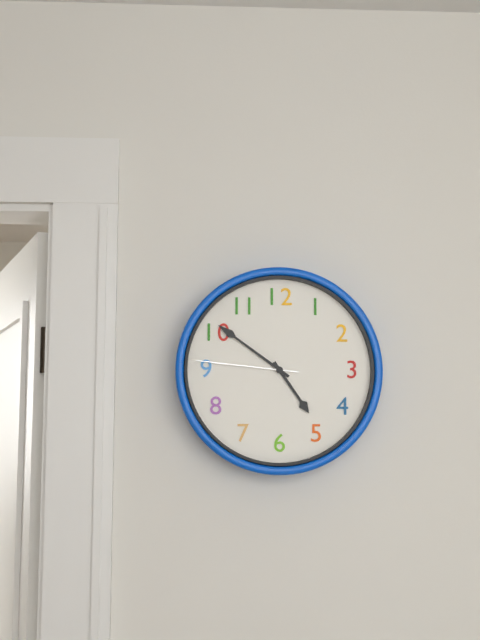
**4:51:46**
